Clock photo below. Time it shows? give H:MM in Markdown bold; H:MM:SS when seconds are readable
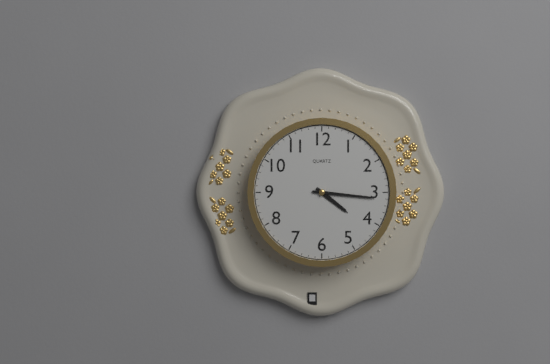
**4:16**
